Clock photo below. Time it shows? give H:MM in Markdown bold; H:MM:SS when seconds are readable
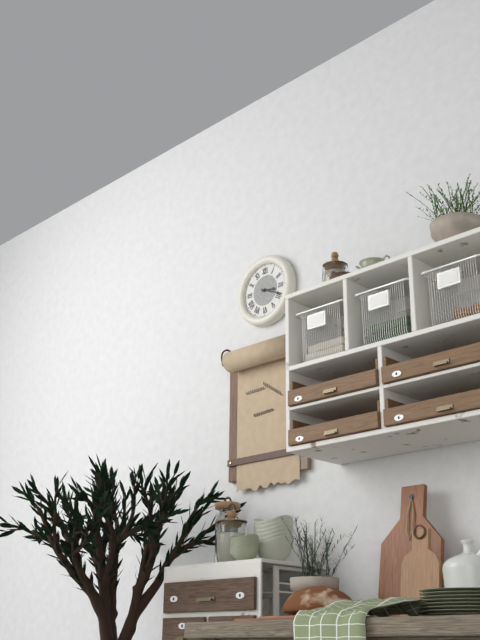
**3:19**
